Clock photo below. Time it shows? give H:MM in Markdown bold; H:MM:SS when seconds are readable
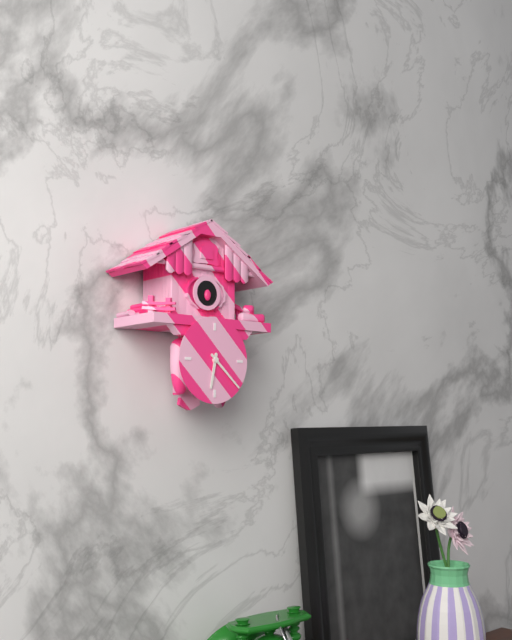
**6:22**
